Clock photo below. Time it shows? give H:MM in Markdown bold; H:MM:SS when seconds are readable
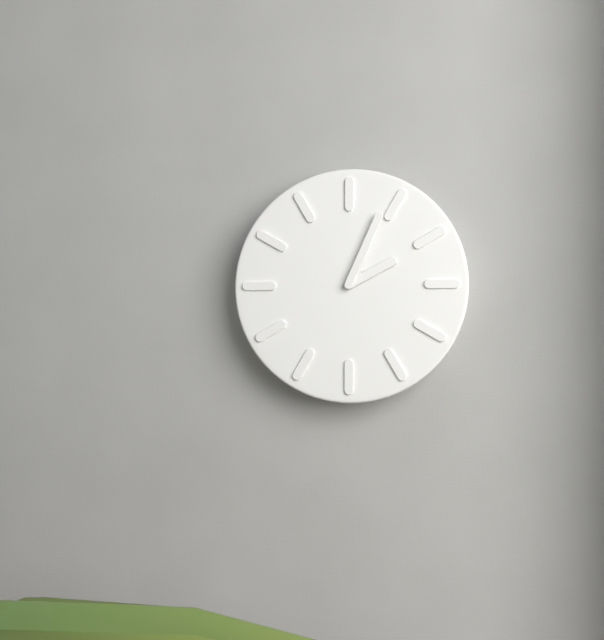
**2:04**
